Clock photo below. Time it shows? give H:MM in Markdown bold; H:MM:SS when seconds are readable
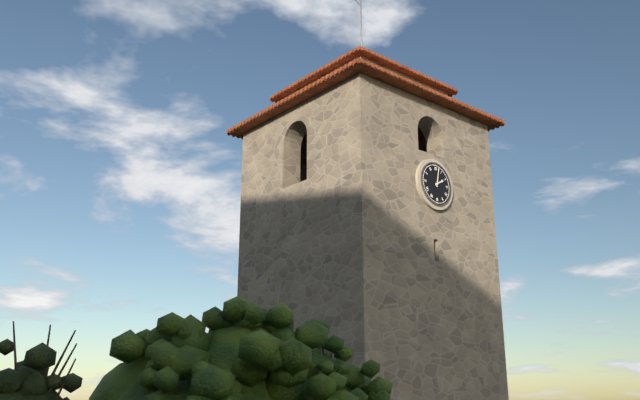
**2:02**
